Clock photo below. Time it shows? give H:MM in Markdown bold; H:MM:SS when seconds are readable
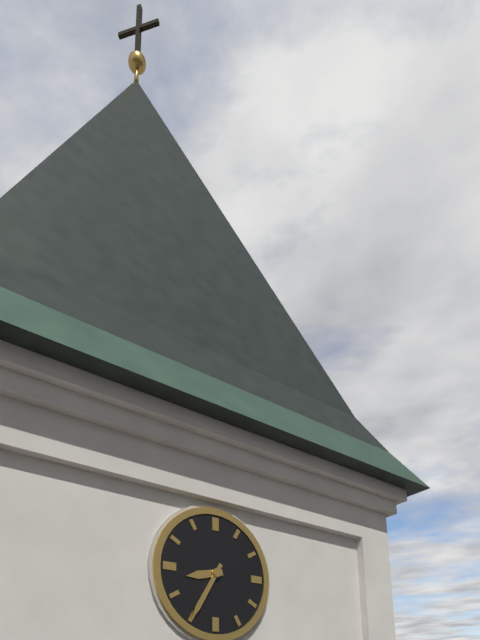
**8:35**
